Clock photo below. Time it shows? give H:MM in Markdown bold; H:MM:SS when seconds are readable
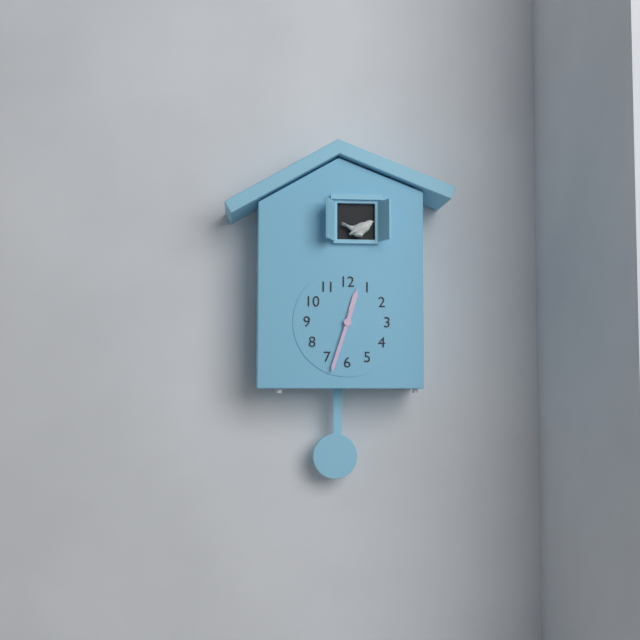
**12:33**
